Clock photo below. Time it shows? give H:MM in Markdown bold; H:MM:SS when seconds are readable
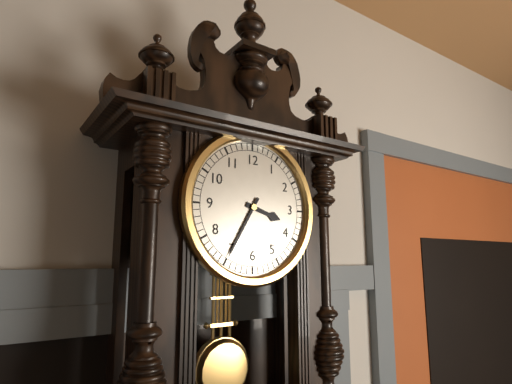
**3:35**
